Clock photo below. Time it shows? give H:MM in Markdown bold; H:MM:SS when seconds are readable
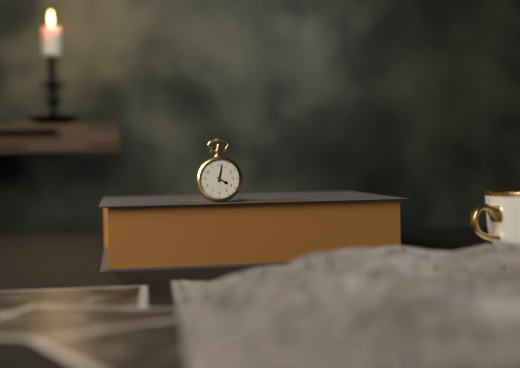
**4:02**
